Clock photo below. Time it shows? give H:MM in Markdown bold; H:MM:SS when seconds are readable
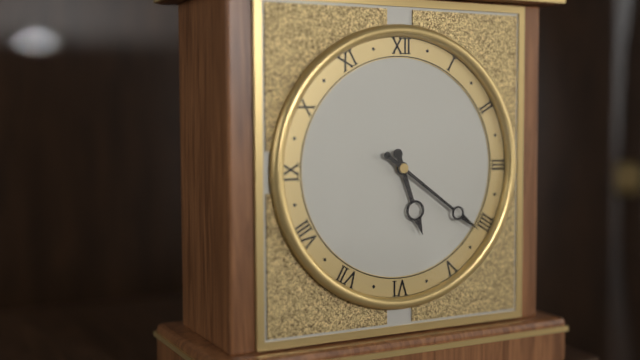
**5:21**
